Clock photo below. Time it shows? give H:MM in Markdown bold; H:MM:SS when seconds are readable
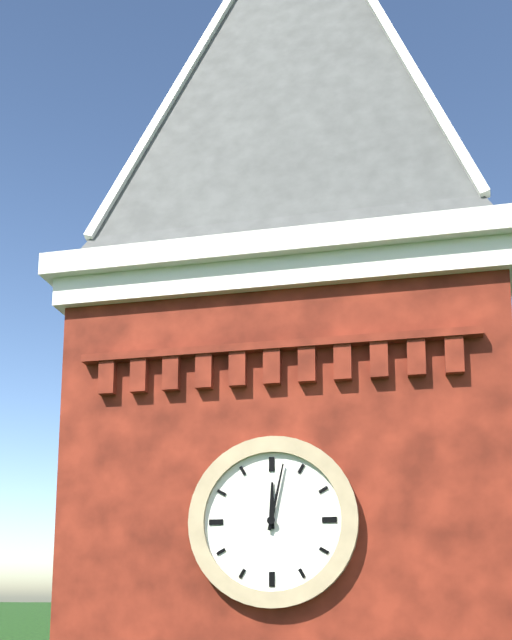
**12:02**
